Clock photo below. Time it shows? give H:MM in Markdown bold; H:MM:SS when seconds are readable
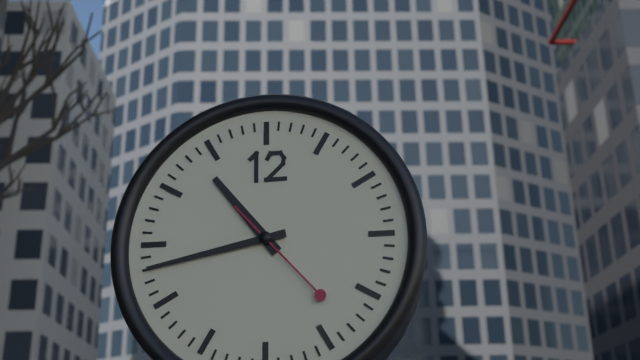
**10:43:23**
